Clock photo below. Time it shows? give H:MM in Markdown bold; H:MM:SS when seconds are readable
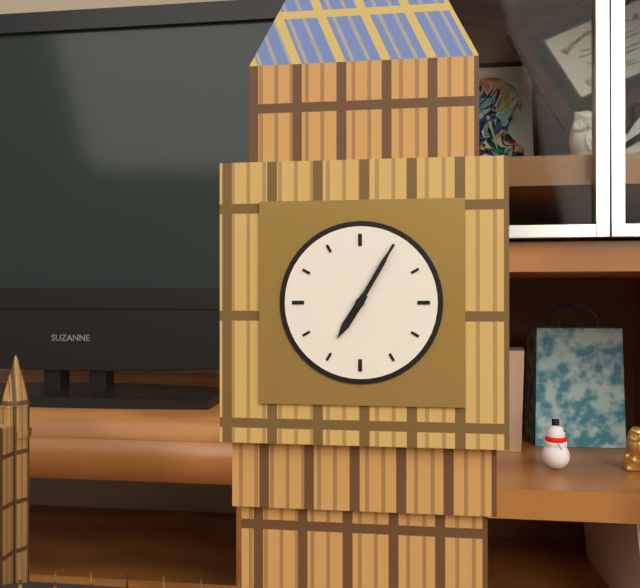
**7:05**
